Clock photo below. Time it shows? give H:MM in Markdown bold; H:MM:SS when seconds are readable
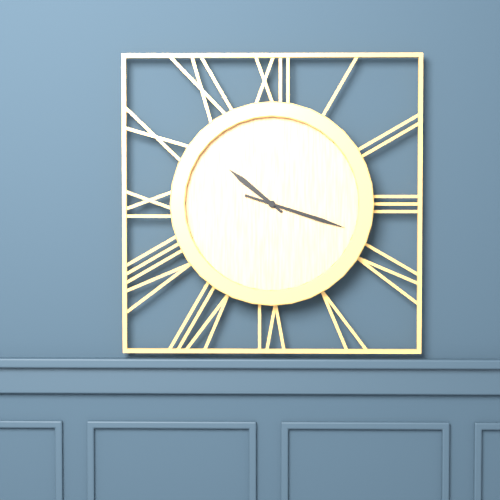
**10:18**
